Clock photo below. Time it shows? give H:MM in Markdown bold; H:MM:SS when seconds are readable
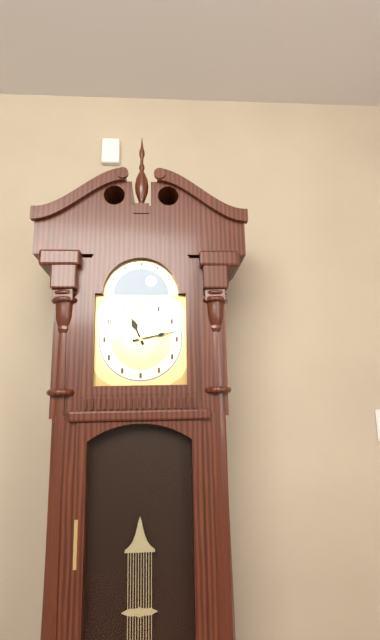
**11:13**
